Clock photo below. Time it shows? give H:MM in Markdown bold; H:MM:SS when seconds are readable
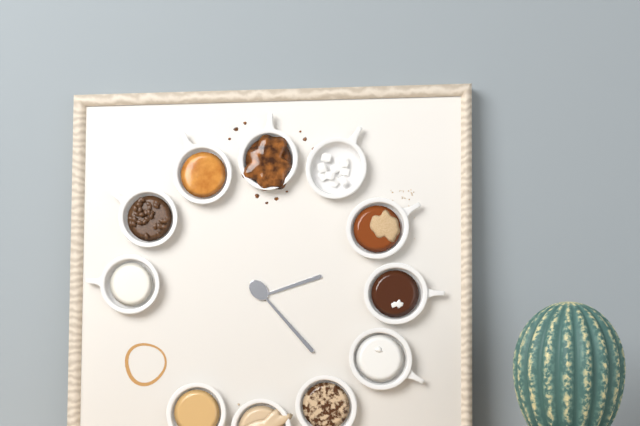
**2:23**
